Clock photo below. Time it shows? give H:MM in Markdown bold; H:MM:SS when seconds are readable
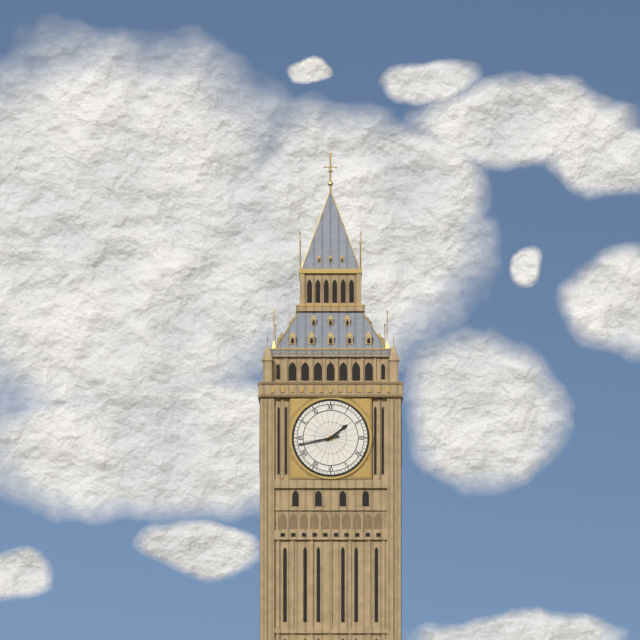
**1:43**
